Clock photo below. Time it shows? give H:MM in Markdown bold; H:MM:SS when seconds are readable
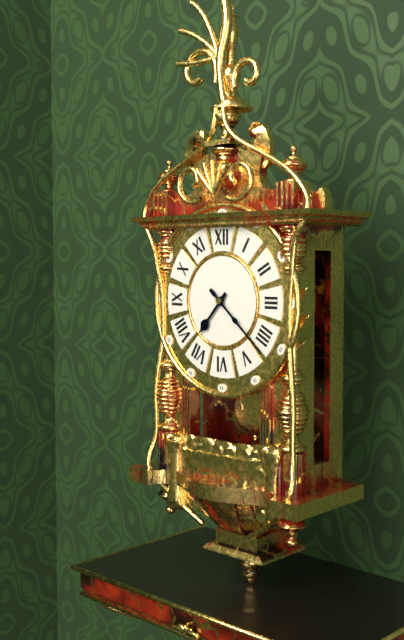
**7:22**
